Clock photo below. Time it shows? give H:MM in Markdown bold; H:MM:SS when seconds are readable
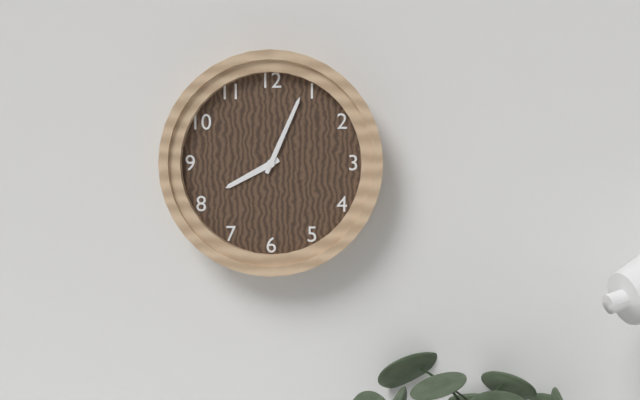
**8:04**
